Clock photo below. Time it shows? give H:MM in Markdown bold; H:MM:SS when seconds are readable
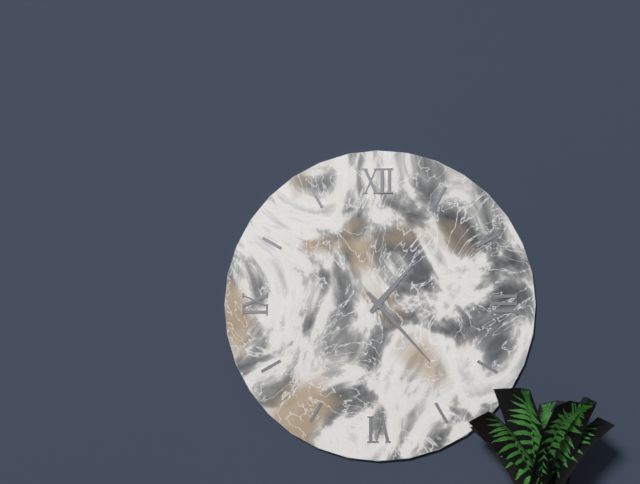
**1:23**
